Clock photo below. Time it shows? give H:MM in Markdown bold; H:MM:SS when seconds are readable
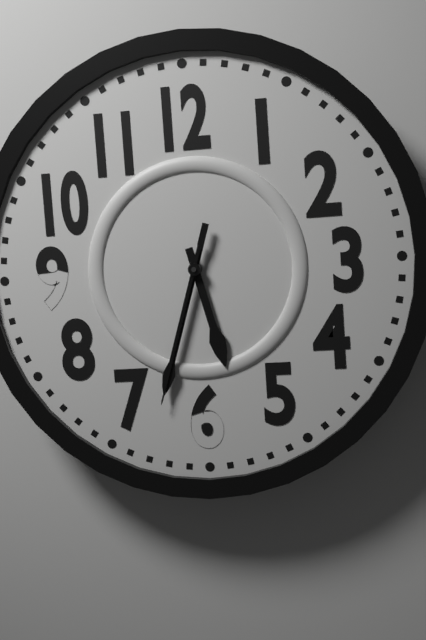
**5:33:33**
